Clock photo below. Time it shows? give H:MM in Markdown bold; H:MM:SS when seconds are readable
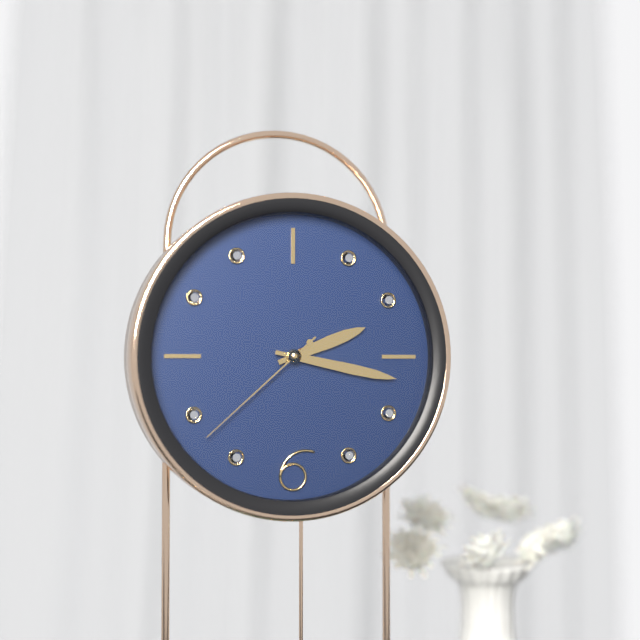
**2:17:38**
